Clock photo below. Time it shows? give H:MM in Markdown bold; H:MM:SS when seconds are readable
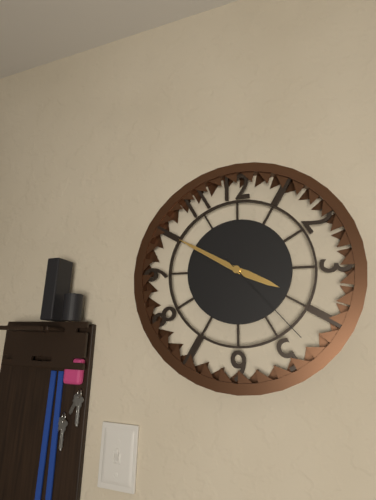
**3:50:23**
